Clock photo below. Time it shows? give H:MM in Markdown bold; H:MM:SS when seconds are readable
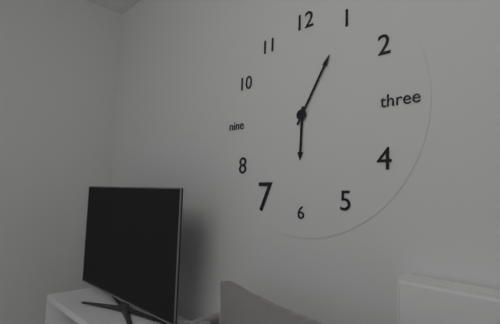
**6:05**
